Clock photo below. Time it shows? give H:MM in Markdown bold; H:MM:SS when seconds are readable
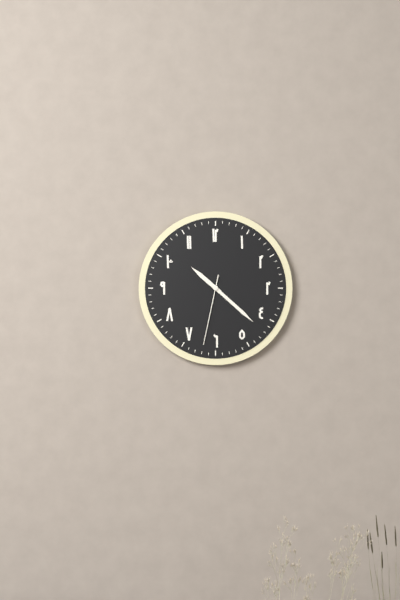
**10:22:32**
